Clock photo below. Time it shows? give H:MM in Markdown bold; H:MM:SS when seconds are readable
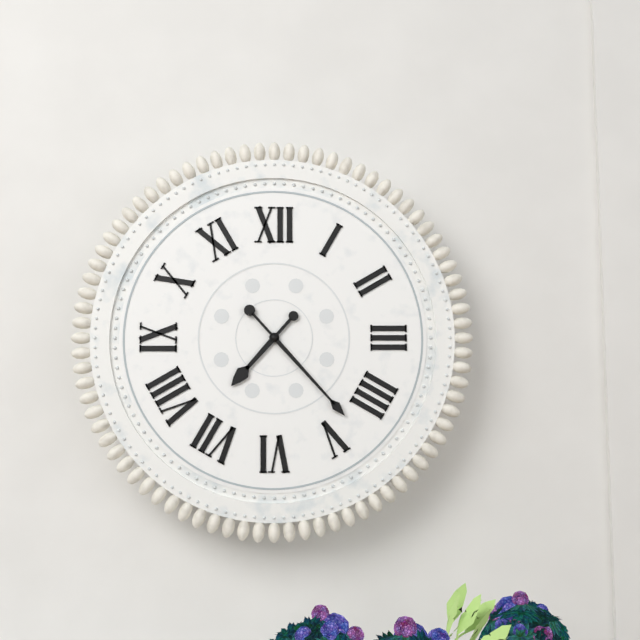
**7:23**
